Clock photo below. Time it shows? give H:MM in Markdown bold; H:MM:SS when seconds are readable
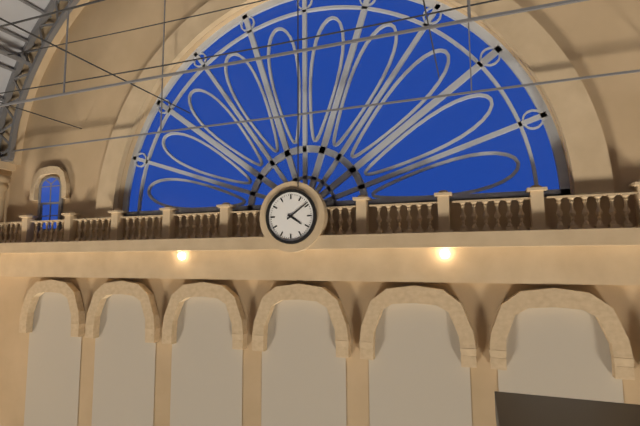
**4:09**
